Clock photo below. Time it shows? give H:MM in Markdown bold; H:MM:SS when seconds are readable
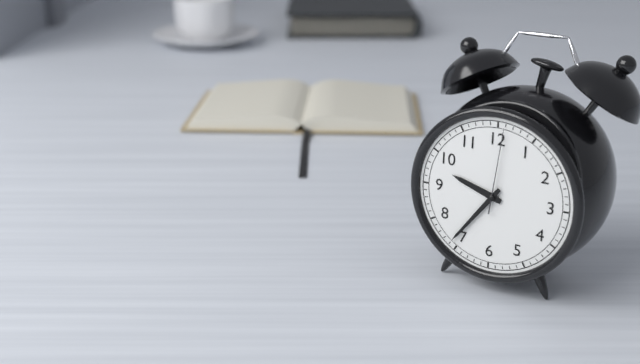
**9:36:01**
